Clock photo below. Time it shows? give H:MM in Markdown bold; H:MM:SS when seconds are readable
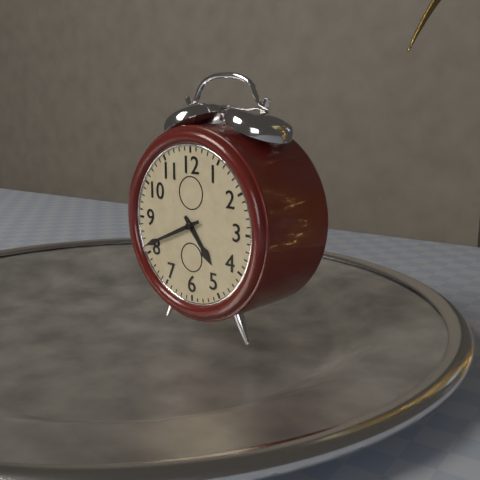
**4:41**
